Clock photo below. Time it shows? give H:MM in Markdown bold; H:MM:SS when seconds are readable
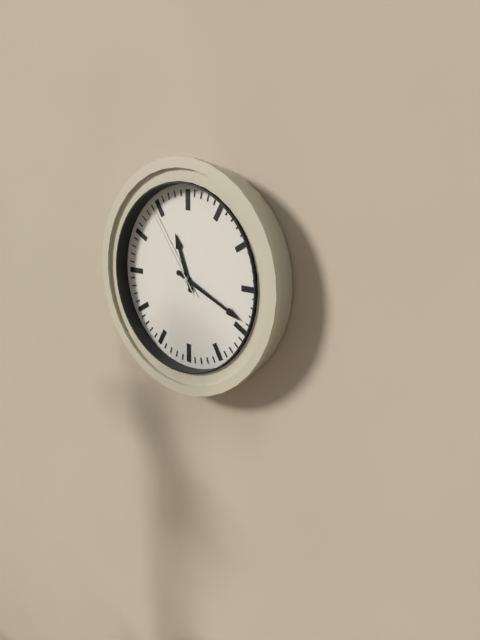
**11:19:54**
